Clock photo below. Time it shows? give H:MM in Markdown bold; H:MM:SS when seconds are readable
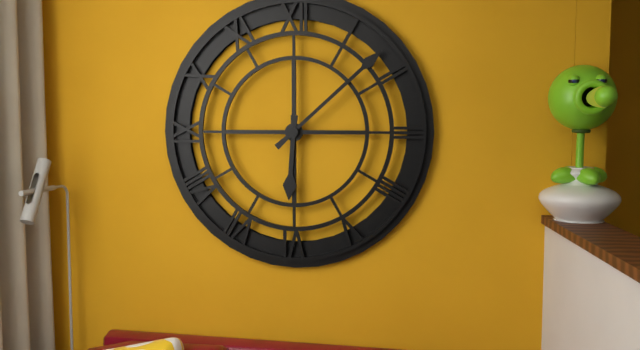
**6:08**
